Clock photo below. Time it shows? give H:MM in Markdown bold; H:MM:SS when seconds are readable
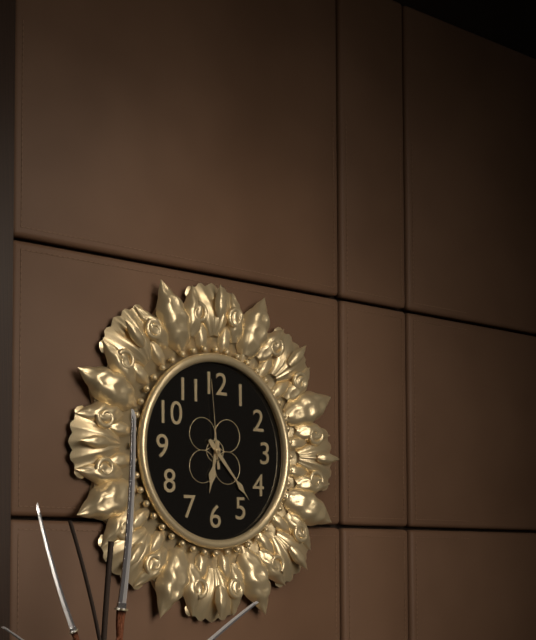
**6:23:59**
